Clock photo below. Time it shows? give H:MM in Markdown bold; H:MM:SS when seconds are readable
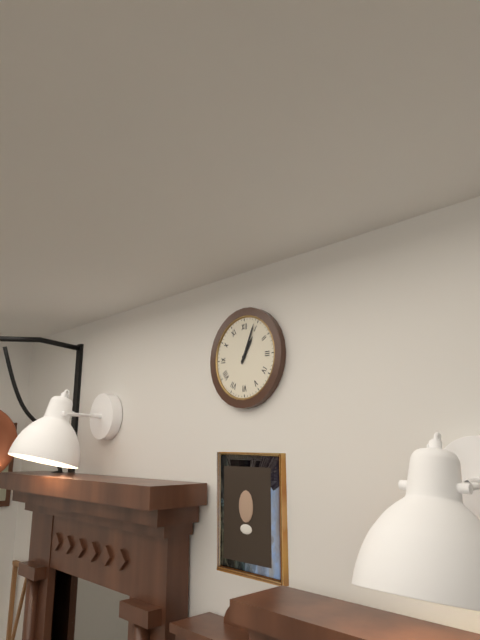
**1:04**
